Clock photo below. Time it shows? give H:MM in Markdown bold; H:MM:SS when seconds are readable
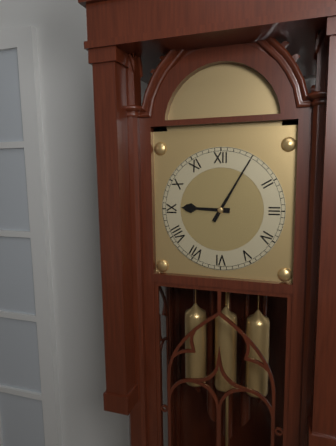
**9:05**
